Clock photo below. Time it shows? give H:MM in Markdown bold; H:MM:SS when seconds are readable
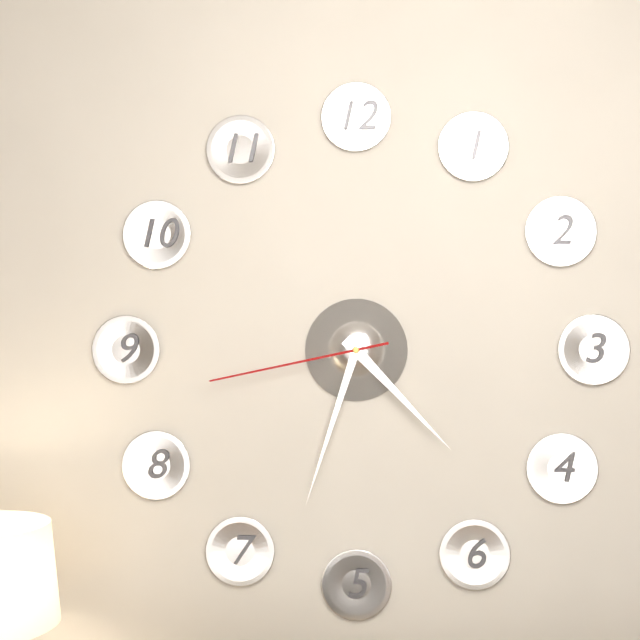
**4:33:43**
